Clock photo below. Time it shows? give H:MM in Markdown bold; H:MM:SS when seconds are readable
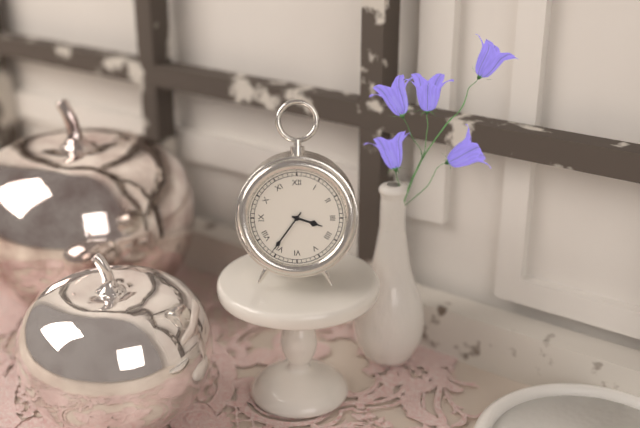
**3:36**
